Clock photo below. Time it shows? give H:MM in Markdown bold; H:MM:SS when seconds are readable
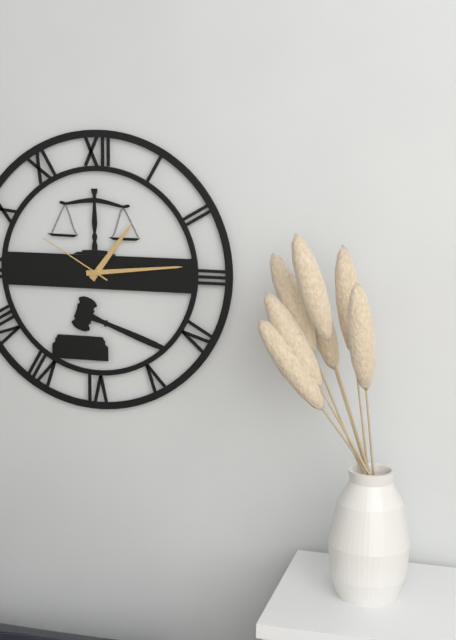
**1:14:50**
